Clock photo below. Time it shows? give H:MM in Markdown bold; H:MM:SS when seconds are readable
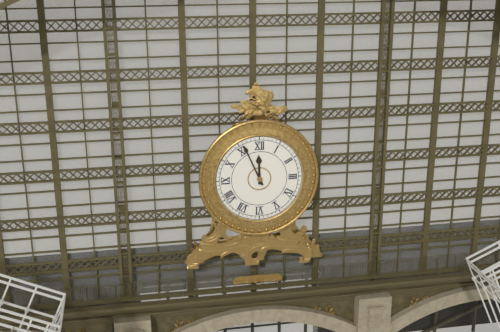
**11:56**
